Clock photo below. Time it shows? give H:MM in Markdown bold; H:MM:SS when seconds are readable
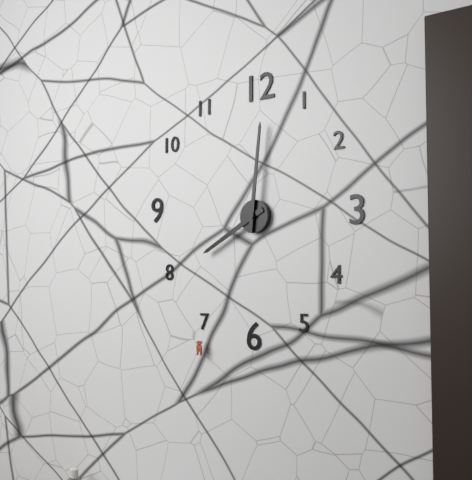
**8:01**
